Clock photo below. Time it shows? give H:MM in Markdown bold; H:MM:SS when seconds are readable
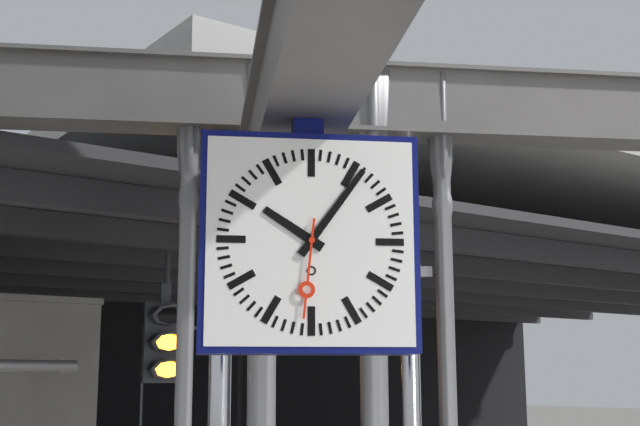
**10:06:31**
